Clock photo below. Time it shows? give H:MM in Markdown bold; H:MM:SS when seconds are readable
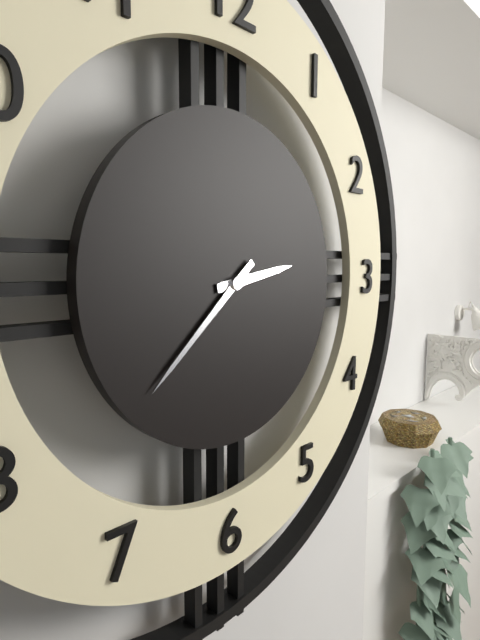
**2:38**
